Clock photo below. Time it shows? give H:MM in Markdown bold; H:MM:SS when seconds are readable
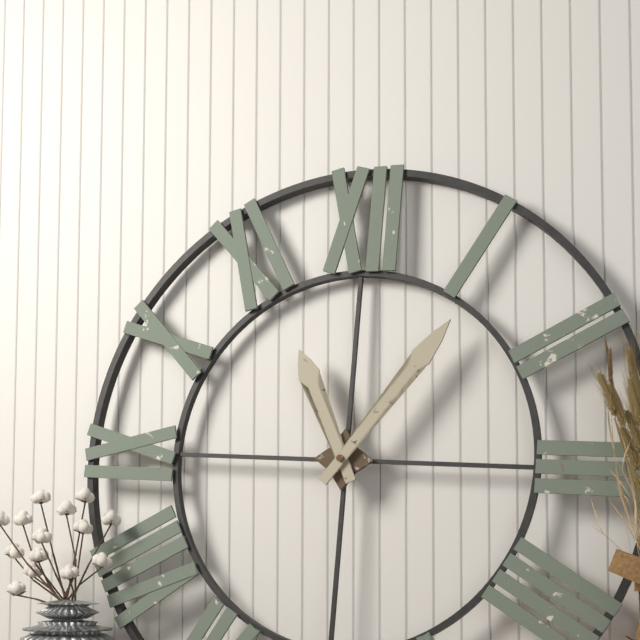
**11:06**
